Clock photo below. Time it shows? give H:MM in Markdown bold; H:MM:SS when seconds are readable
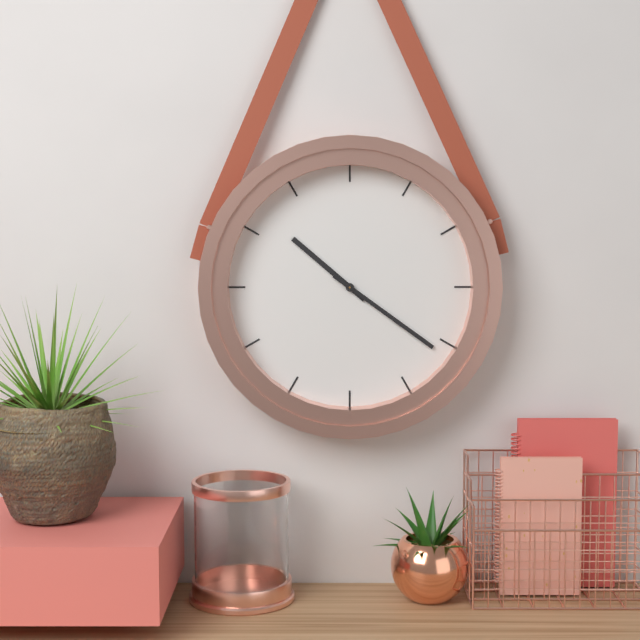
**10:21**
